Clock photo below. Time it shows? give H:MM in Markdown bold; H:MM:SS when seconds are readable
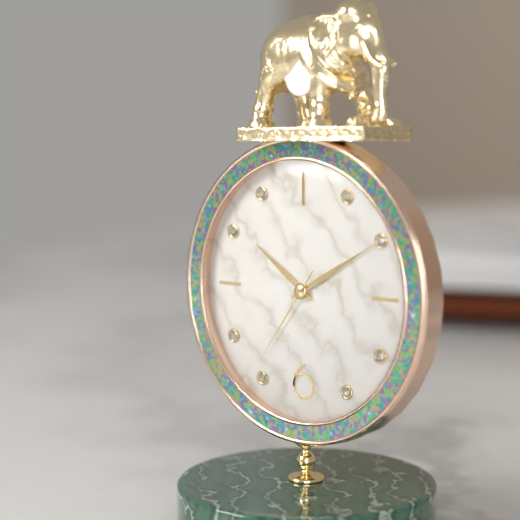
**10:10:36**
